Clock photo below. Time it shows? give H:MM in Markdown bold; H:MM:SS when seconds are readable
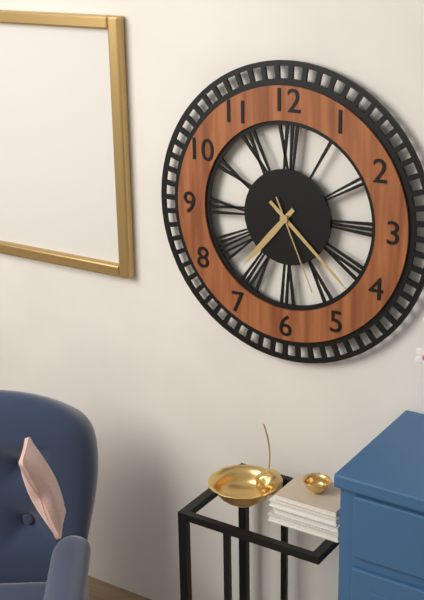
**7:22:26**
